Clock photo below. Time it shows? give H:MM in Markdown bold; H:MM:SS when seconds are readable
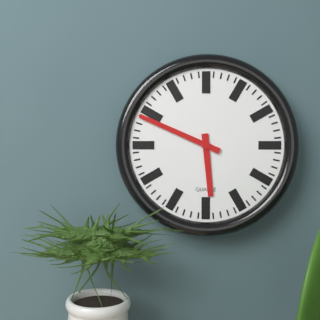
**5:49**
